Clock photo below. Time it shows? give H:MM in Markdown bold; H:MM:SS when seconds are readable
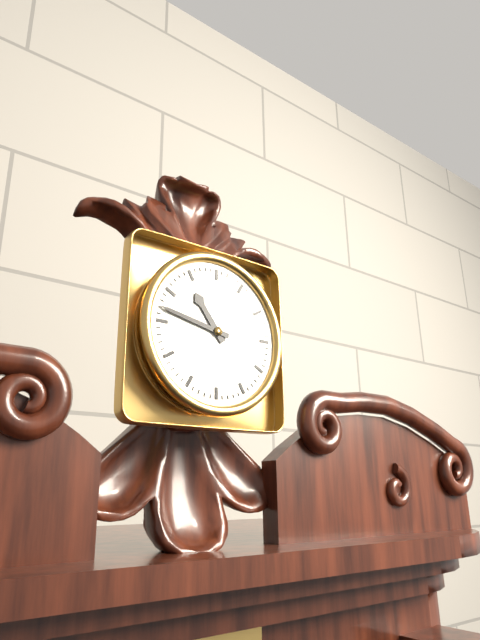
**10:47**
